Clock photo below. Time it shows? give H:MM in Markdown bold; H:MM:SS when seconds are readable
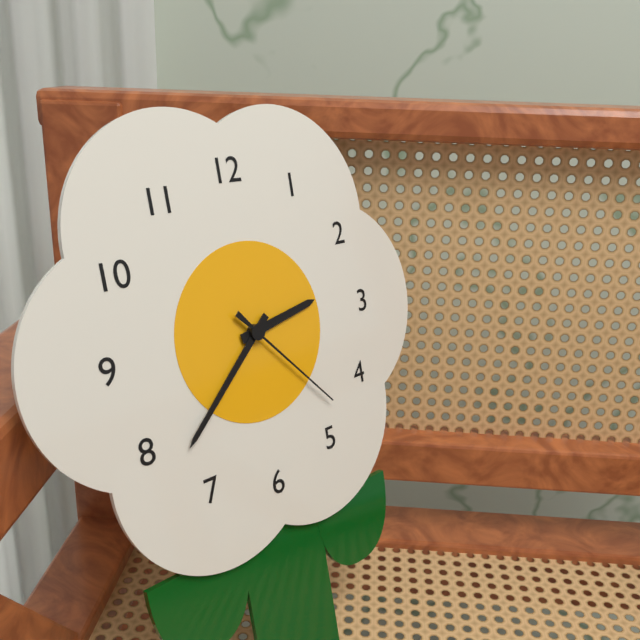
**2:38:23**
